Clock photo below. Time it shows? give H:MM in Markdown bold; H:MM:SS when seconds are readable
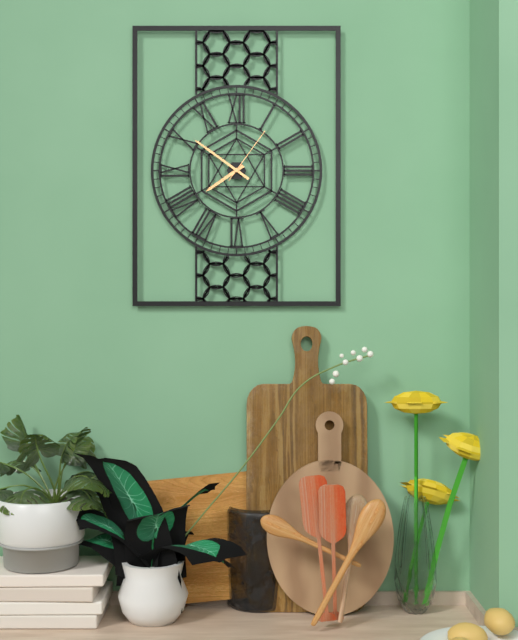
**7:51:06**
